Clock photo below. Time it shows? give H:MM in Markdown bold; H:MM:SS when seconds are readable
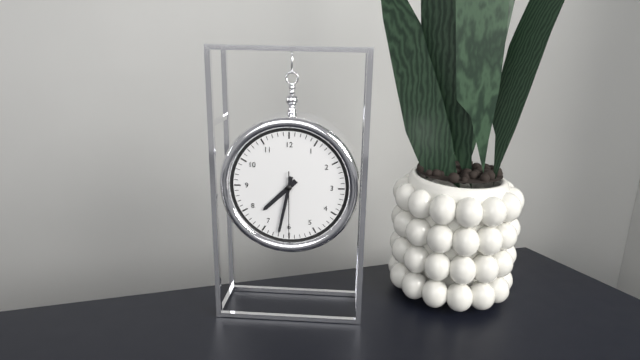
**7:32:30**
